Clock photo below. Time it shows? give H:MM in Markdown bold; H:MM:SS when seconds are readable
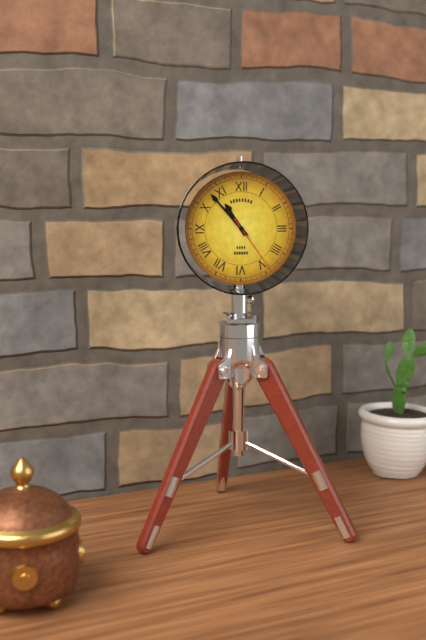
**10:53:24**
